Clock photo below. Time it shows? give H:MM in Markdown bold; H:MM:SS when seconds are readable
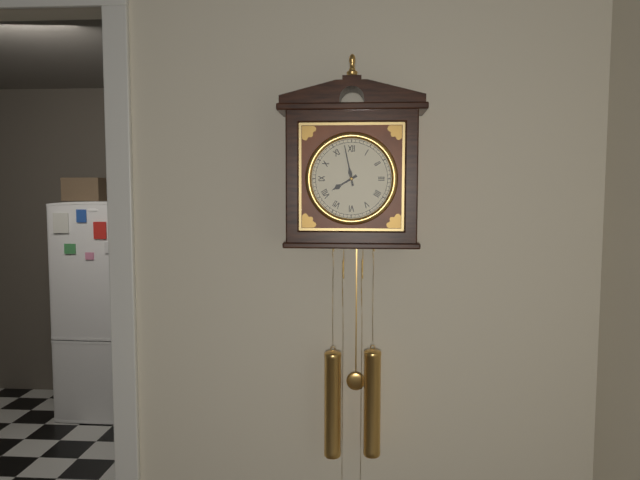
**7:58**
